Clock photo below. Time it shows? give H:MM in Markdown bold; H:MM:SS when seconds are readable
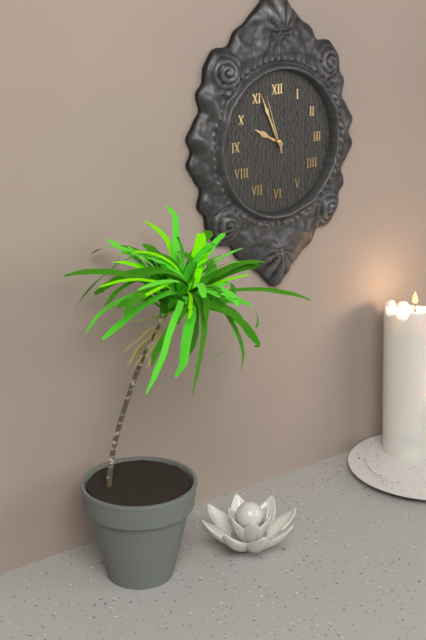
**9:56:57**
